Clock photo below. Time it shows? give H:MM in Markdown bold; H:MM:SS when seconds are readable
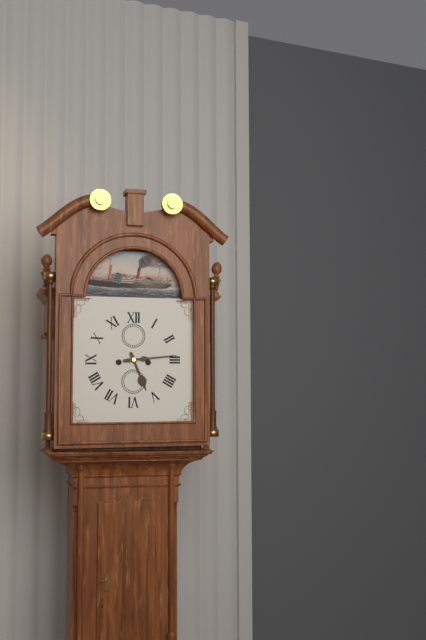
**5:14**
